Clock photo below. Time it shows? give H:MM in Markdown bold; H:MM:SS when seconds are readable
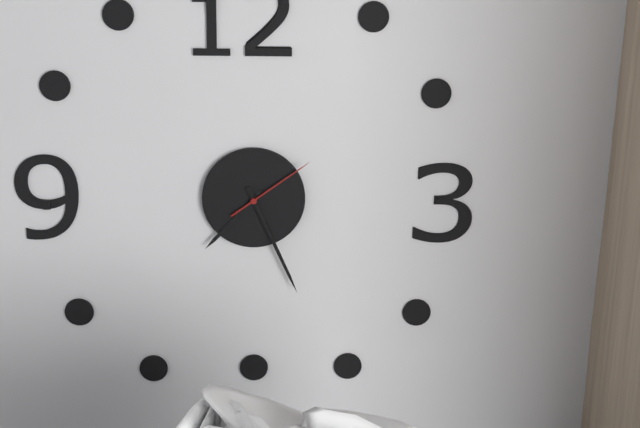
**7:26:09**
